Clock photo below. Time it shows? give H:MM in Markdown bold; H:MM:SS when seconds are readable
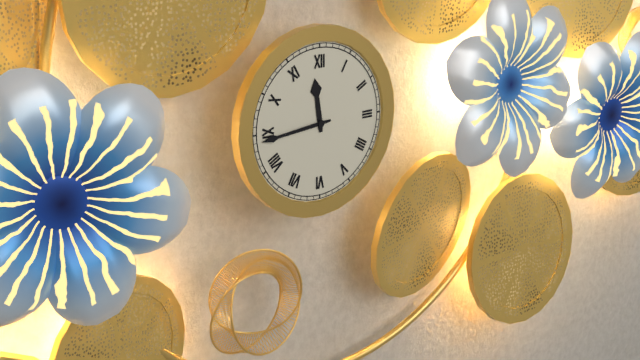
**11:44**
